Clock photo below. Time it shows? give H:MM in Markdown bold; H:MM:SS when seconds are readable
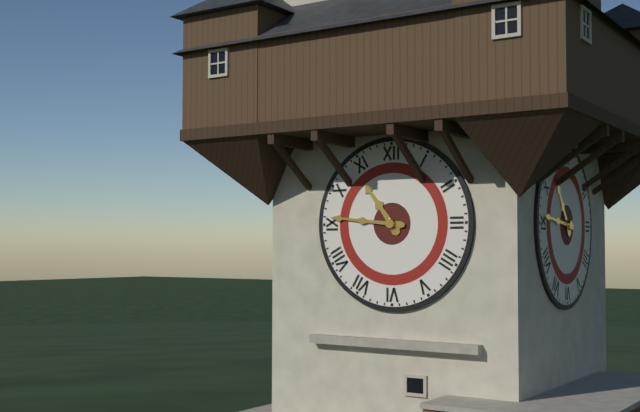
**10:46**
